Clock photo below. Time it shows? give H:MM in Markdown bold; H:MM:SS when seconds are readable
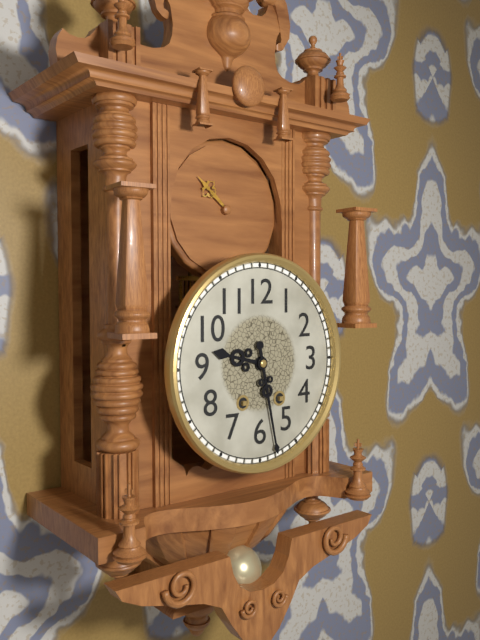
**9:28**
